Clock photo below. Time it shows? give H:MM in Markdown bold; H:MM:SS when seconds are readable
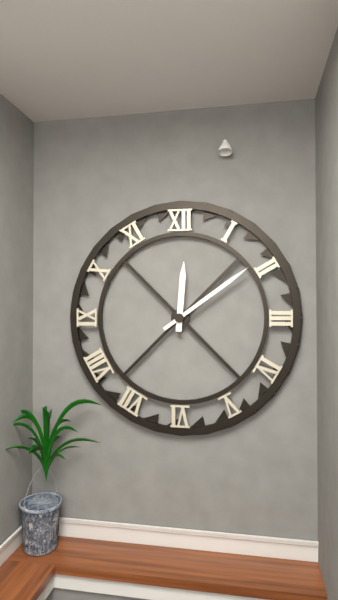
**12:09**
